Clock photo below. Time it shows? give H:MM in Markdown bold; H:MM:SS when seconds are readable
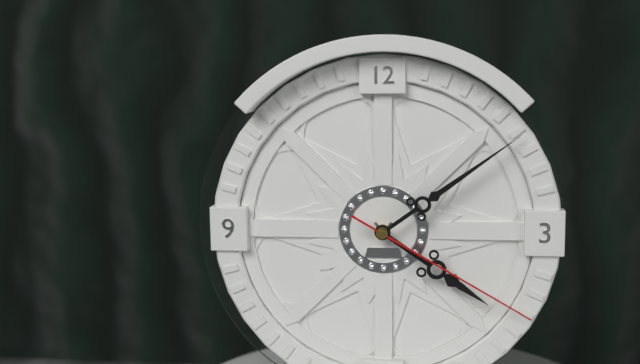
**4:09:20**
